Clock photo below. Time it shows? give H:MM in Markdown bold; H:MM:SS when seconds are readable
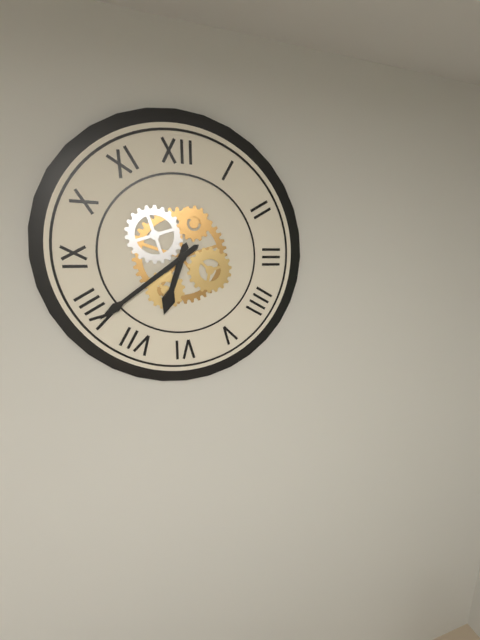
**6:39**
